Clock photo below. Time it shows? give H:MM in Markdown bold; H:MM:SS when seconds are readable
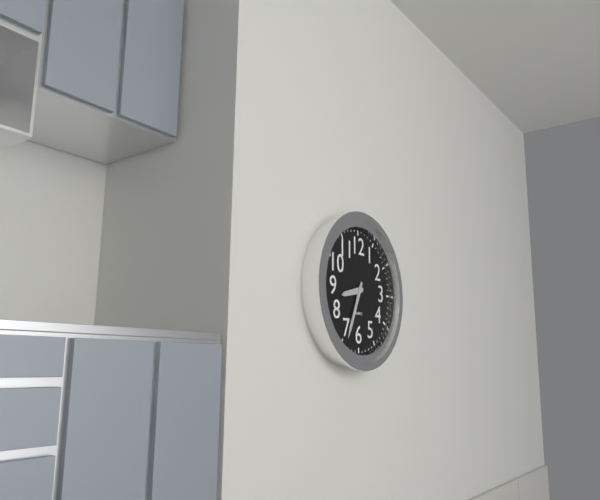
**8:34**
